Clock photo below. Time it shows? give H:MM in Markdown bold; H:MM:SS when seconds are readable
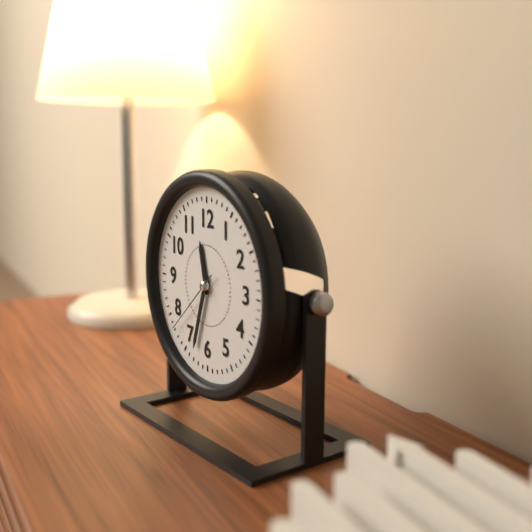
**11:33:38**
